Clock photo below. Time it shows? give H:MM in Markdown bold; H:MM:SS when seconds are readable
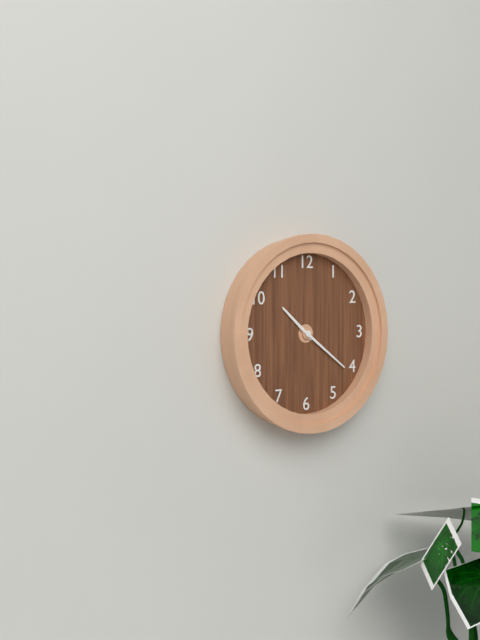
**10:21**
